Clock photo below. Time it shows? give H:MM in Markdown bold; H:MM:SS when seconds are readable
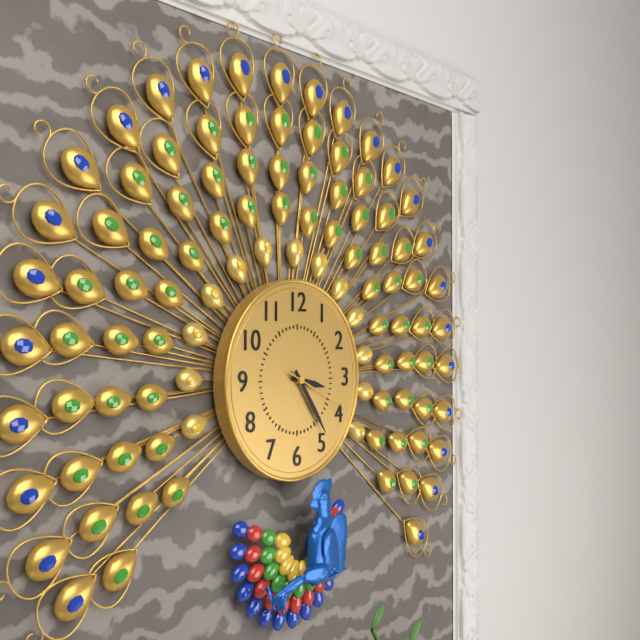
**3:24:19**
